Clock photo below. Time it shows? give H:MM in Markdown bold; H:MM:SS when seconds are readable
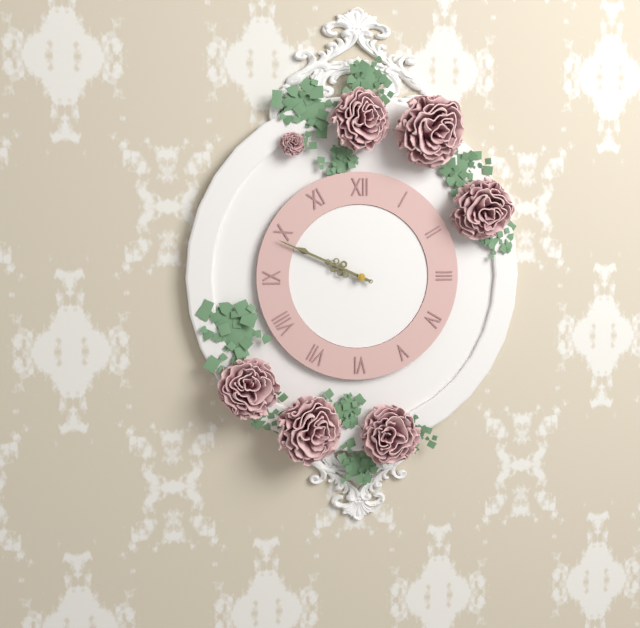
**9:49**
